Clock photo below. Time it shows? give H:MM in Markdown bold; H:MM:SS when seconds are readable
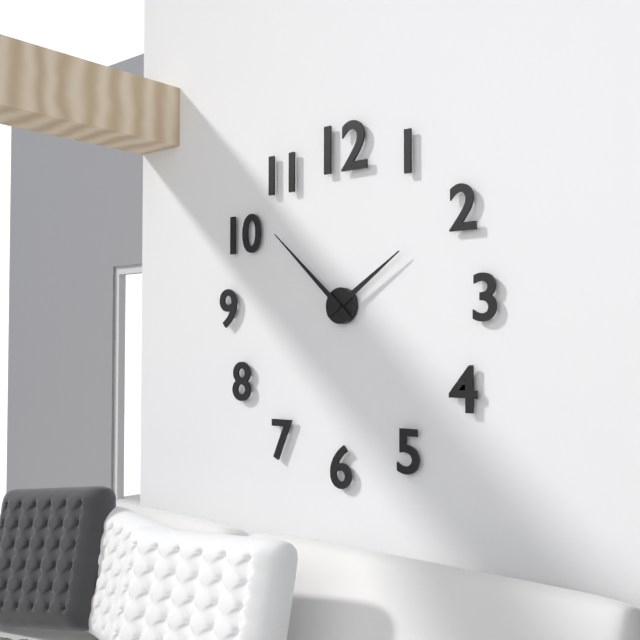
**1:52**
